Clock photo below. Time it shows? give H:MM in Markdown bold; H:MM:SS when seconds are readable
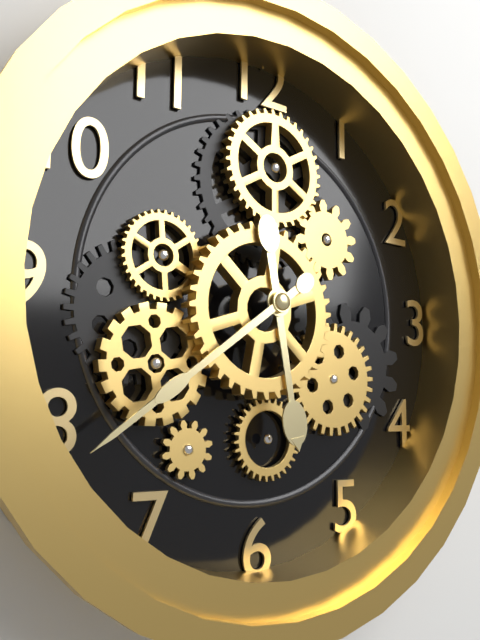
**5:39**
